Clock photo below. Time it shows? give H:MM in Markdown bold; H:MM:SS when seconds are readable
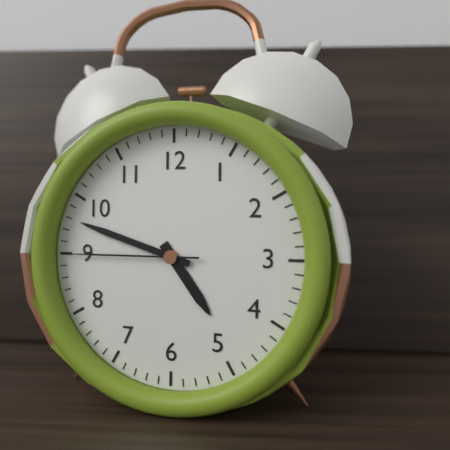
**4:48:45**
